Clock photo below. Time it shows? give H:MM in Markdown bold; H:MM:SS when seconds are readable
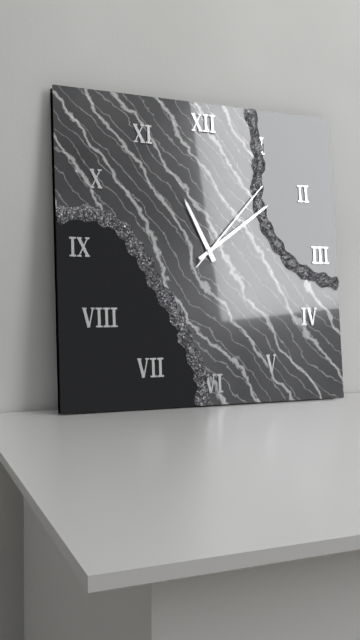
**11:09:07**
